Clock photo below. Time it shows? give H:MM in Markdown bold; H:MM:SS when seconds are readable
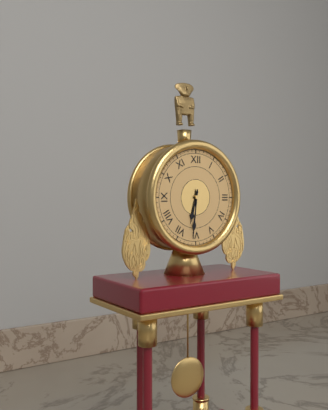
**6:31**
